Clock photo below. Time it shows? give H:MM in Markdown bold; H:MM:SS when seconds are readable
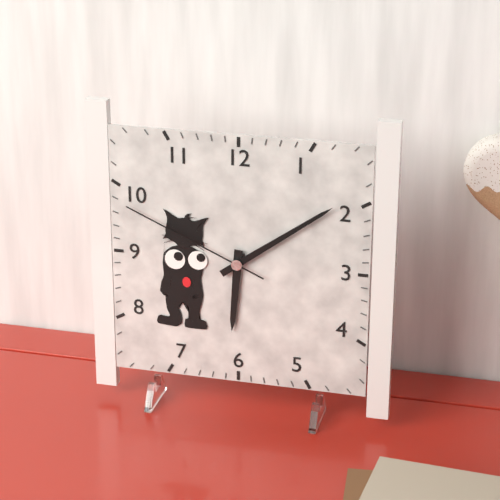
**6:09:49**
